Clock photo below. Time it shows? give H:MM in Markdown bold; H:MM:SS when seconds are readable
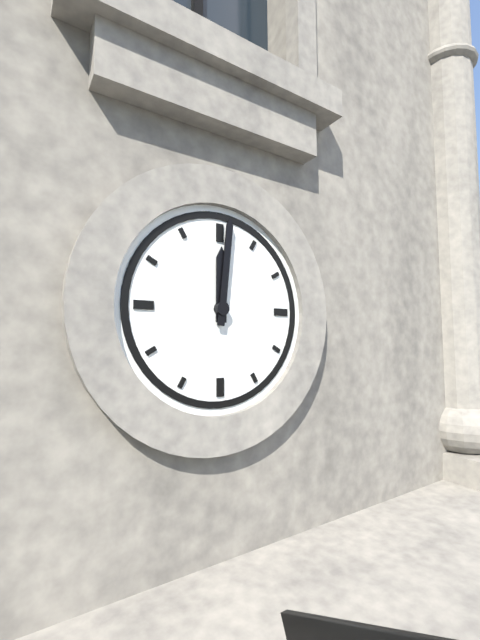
**12:01**
